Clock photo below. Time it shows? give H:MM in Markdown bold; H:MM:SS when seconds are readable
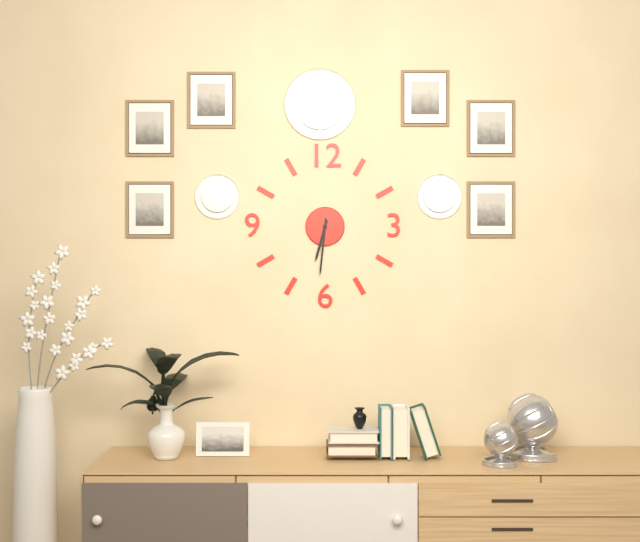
**6:31**
